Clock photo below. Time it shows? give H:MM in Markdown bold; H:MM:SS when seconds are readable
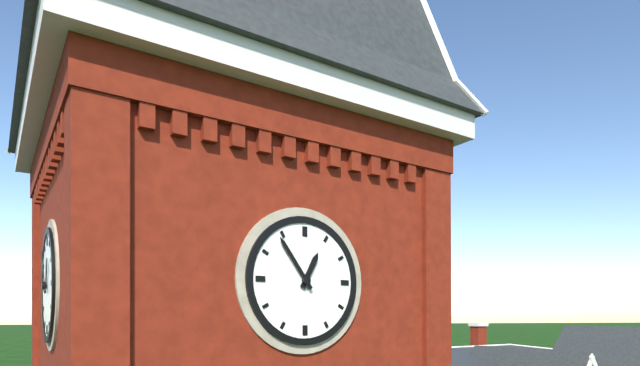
**12:54**
